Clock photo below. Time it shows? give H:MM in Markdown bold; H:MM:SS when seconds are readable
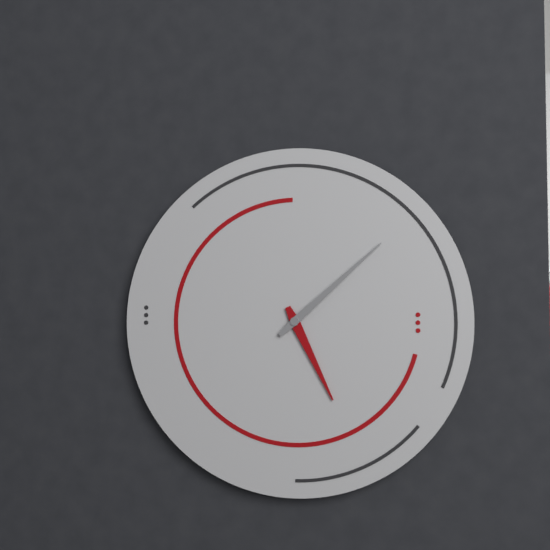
**5:08**
